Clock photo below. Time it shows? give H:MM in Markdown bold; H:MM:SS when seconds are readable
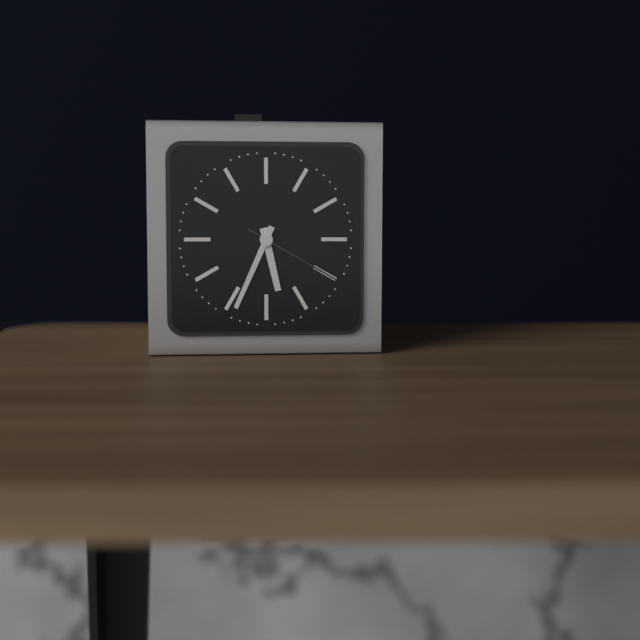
**5:34:20**
